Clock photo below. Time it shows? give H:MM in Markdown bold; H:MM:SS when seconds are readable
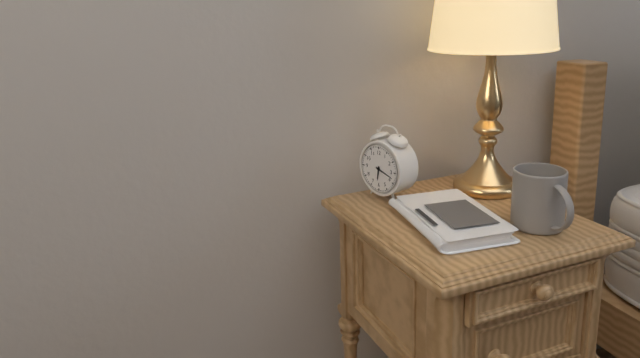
**6:18**
